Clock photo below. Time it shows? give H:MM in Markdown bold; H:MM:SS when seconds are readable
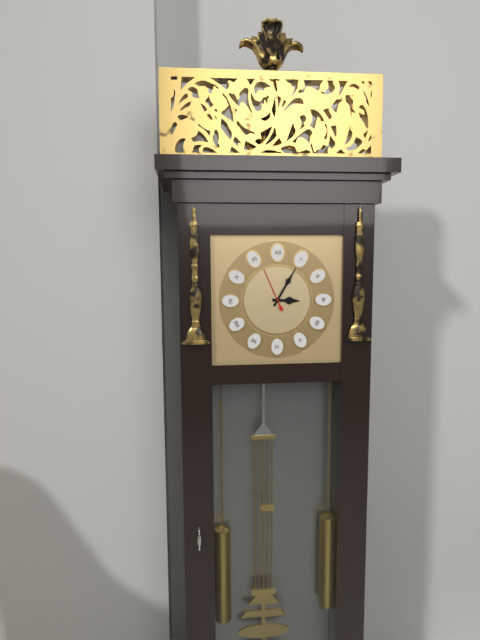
**3:05**
